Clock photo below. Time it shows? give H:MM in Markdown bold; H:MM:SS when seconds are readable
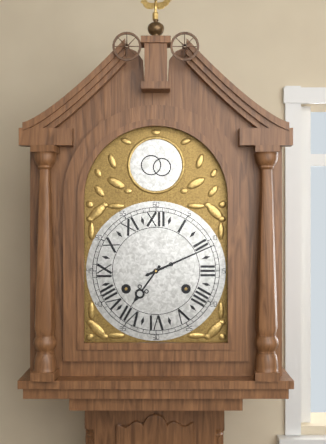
**7:11**
